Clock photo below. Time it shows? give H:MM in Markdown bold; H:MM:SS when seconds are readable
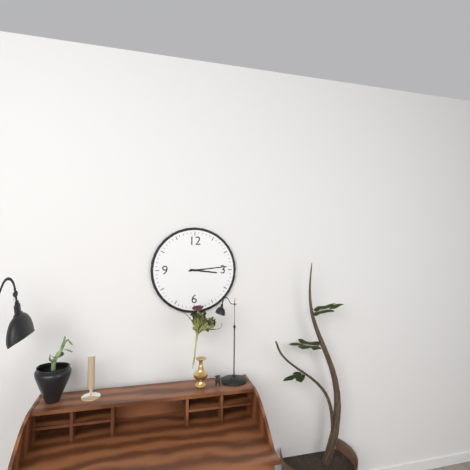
**3:14**
